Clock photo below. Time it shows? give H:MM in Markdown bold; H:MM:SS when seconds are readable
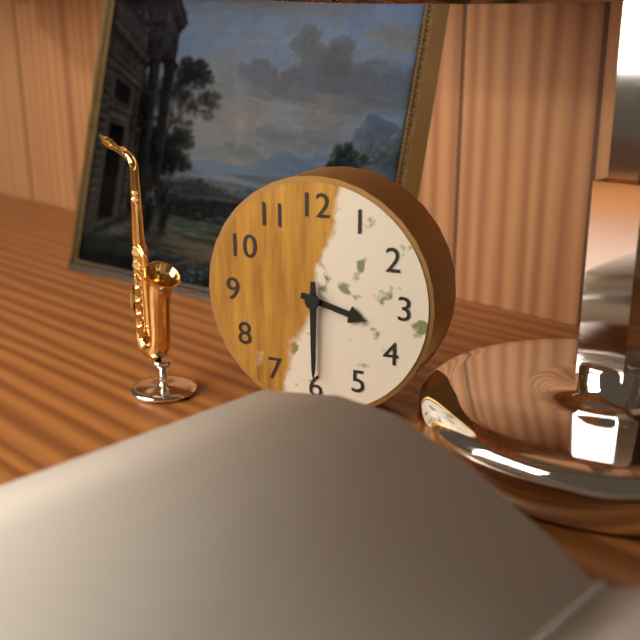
**3:30**
